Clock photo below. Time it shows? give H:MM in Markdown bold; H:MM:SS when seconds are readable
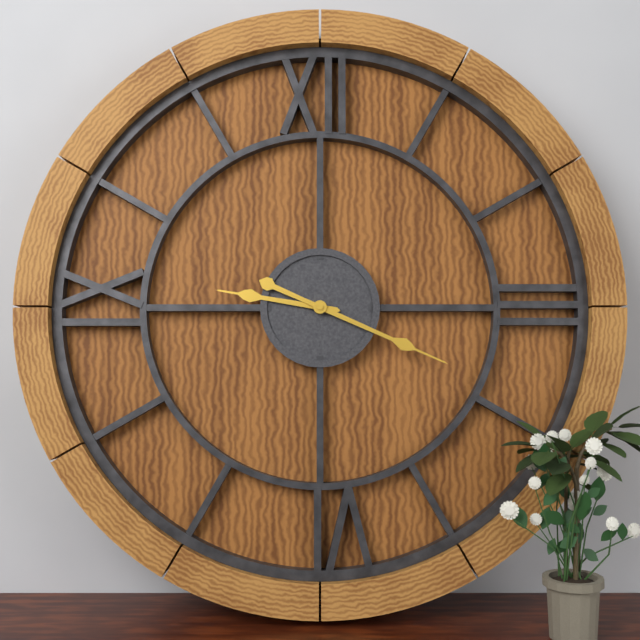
**9:19**
